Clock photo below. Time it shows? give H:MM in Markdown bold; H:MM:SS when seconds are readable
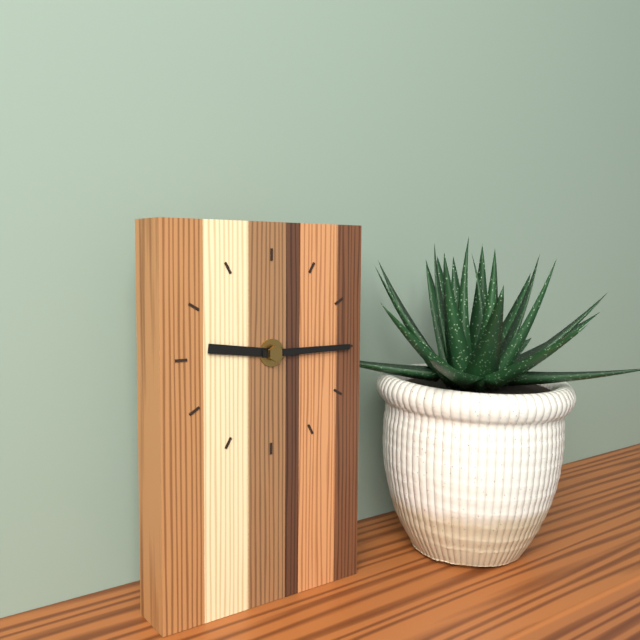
**9:15**
